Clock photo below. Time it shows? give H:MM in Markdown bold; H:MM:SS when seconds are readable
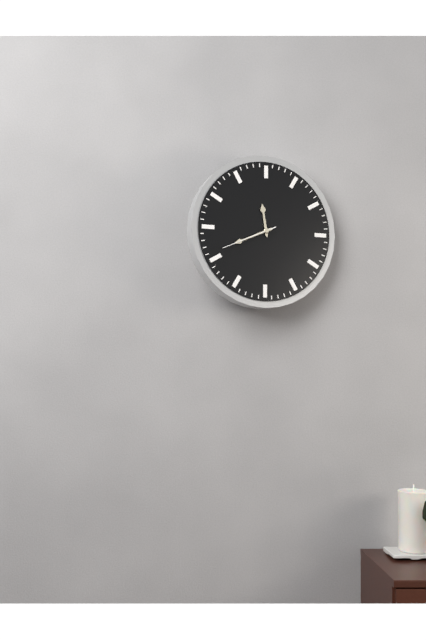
**11:41:41**
